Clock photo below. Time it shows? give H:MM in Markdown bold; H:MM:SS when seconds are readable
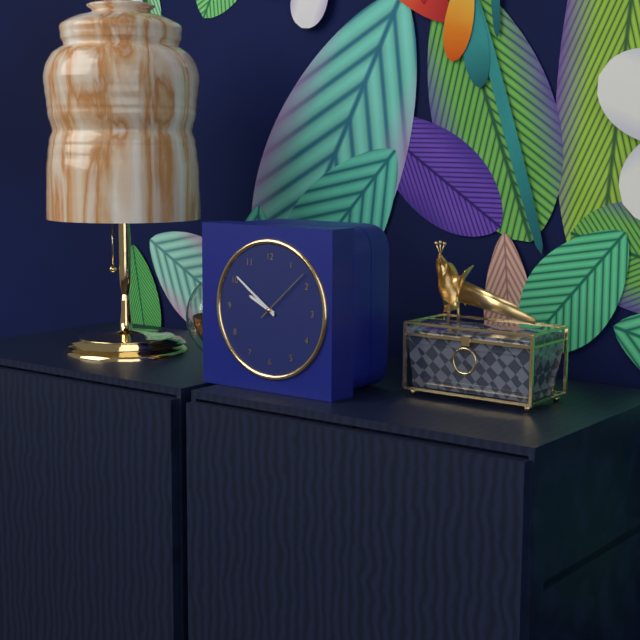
**9:51:08**
